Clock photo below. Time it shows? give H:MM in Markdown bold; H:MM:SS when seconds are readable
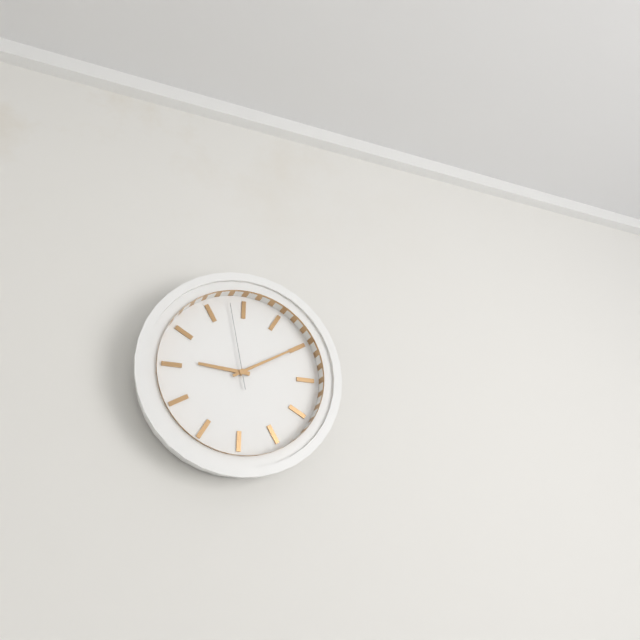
**9:10:58**
